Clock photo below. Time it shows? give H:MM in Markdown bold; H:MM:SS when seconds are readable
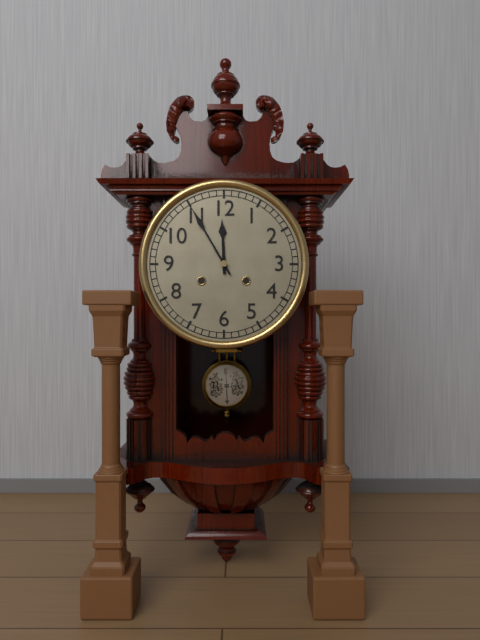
**11:55**
